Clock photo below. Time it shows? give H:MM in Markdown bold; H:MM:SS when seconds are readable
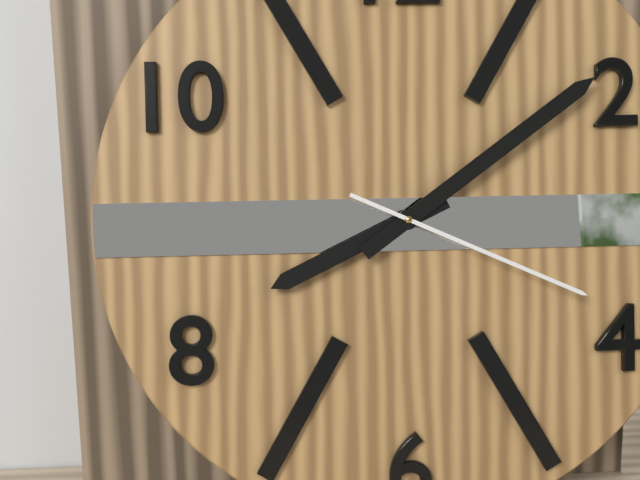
**8:09:19**
